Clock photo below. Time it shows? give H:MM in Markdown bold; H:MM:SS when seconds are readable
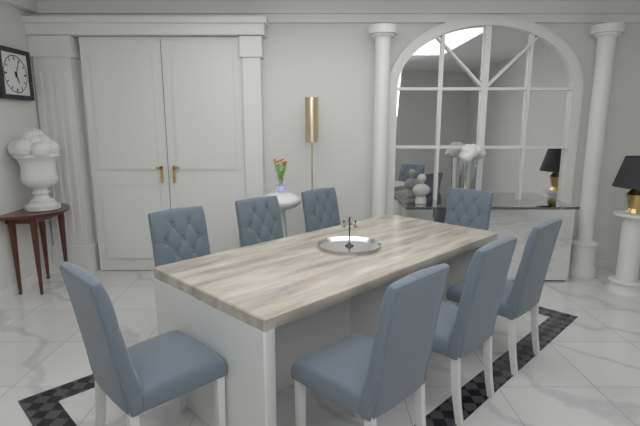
**5:04**
